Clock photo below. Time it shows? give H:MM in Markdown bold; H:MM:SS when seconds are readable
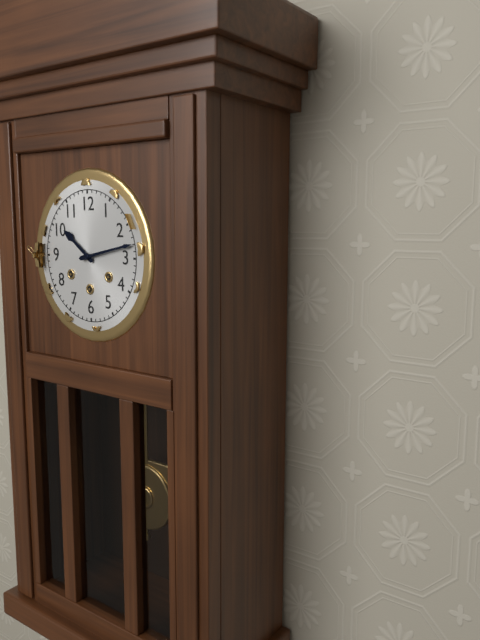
**10:13**
